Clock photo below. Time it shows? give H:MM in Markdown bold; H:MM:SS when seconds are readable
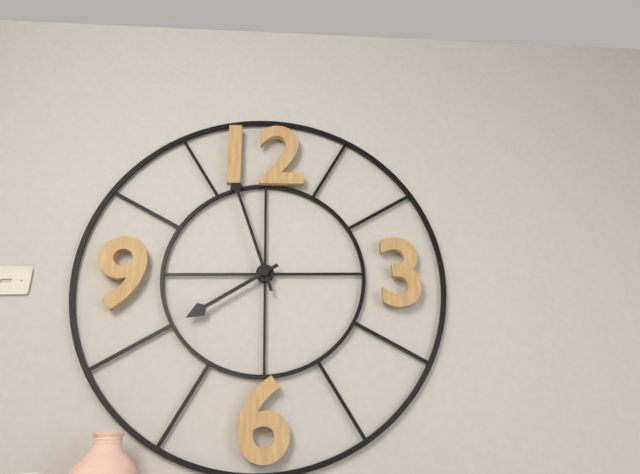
**7:57**
